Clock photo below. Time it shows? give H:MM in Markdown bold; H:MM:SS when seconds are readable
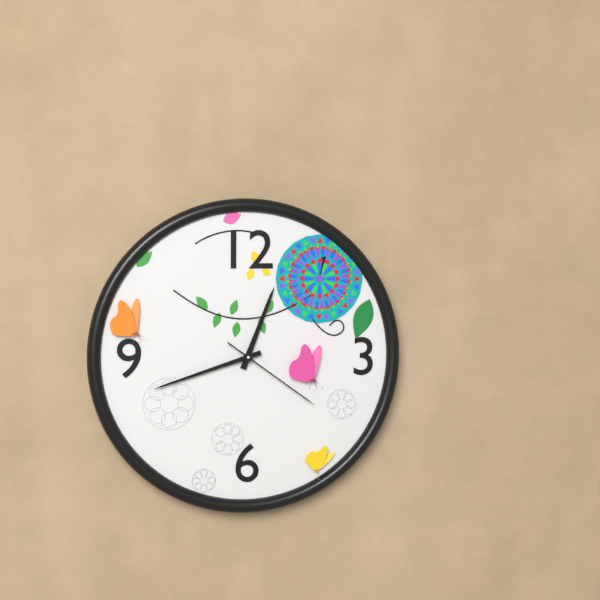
**12:42:21**
